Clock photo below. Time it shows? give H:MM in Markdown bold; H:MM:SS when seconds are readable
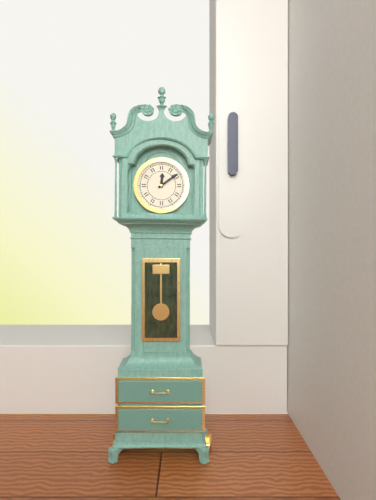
**12:09**
